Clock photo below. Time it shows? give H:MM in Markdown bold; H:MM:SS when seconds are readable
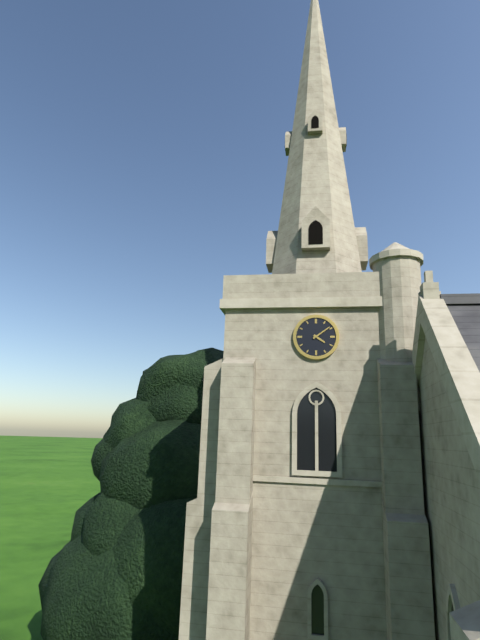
**4:09**
